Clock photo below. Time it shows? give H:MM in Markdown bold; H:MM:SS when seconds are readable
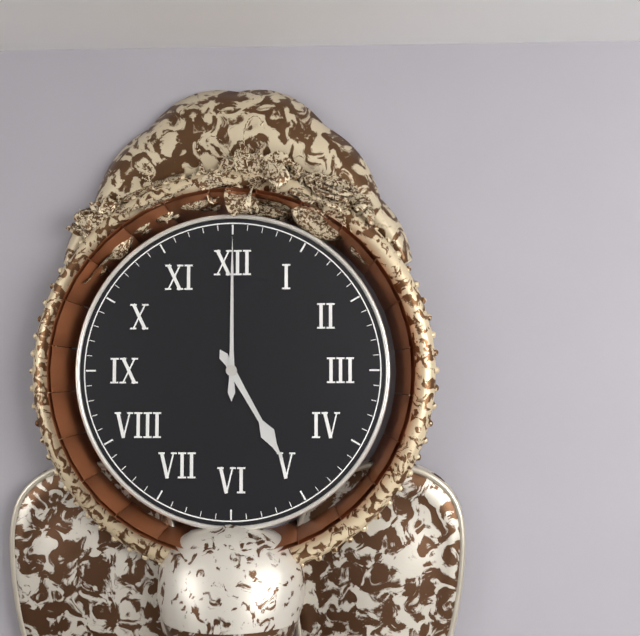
**5:00**
